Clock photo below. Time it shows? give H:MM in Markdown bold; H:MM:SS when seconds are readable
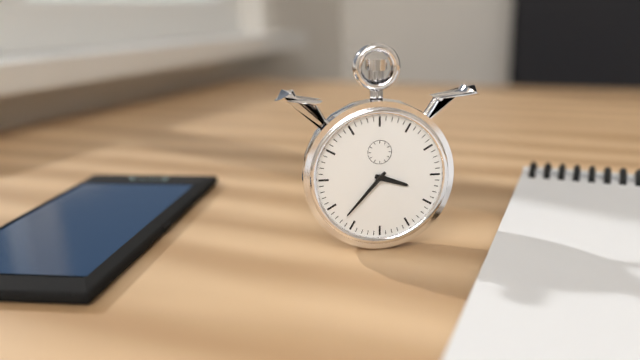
**3:37**
